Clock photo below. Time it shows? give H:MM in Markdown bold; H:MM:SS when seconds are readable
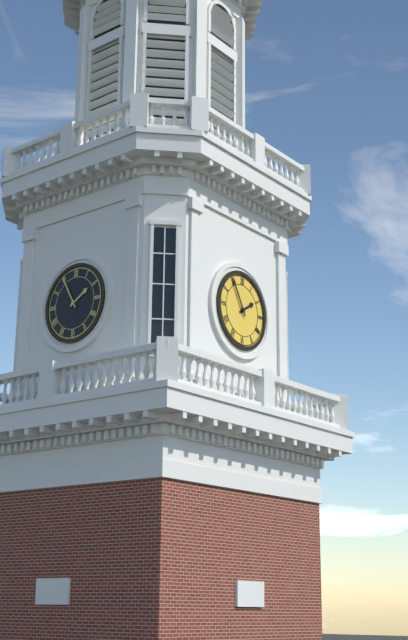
**1:55**
